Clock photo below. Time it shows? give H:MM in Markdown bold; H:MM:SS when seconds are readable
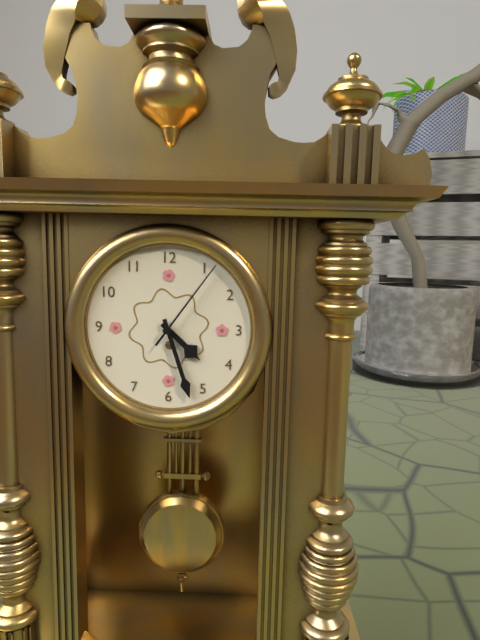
**4:27:06**
